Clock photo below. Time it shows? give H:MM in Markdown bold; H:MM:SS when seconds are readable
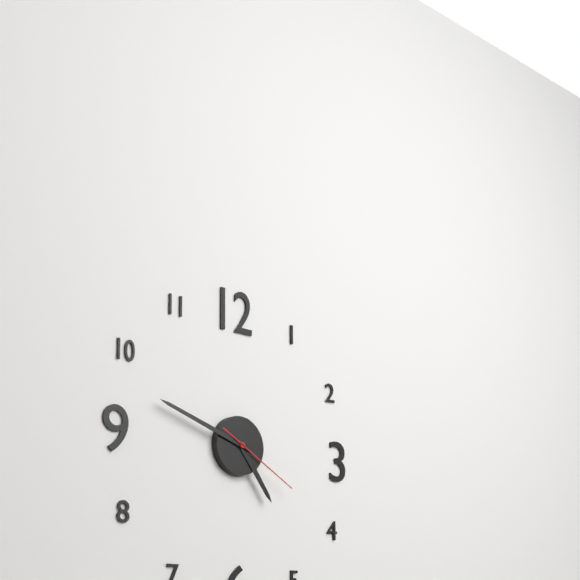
**4:48:20**
